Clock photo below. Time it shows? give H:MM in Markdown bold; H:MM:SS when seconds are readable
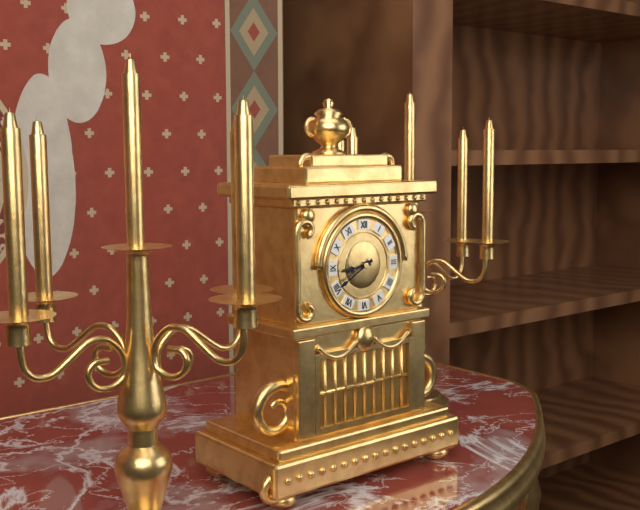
**8:40**
